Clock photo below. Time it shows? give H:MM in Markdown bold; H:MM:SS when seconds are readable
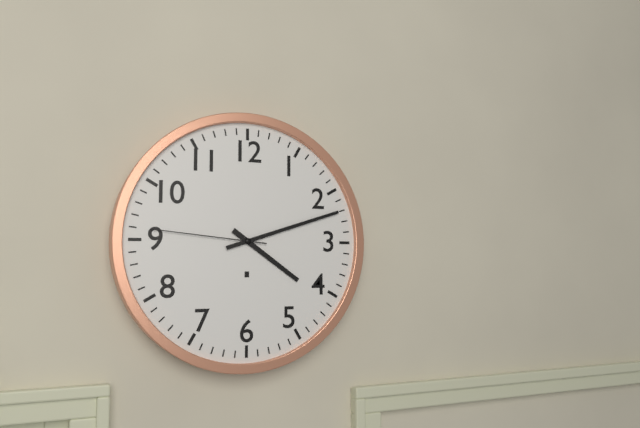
**4:12:46**
